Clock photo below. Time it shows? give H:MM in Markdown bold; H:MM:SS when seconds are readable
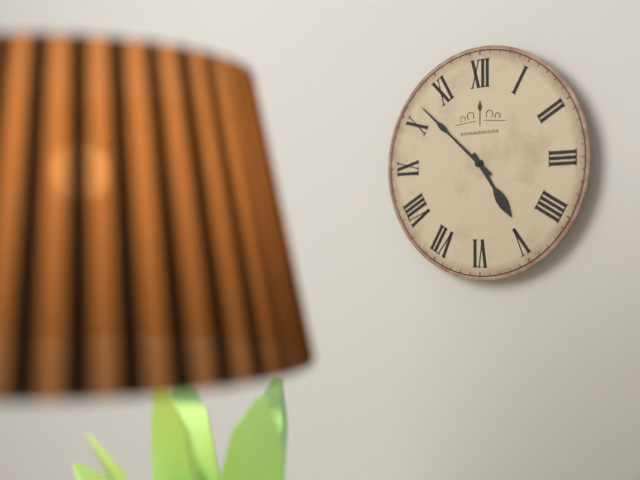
**4:52**
